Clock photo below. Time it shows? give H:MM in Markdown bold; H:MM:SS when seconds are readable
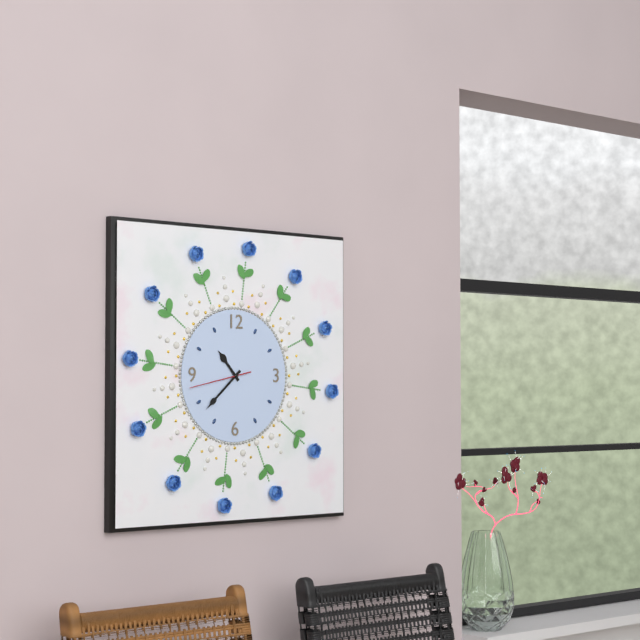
**10:38:43**
